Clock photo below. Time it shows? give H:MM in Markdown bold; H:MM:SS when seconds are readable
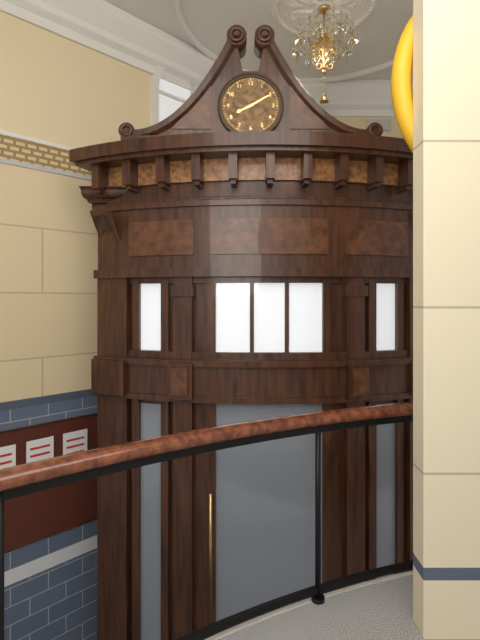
**8:10**
